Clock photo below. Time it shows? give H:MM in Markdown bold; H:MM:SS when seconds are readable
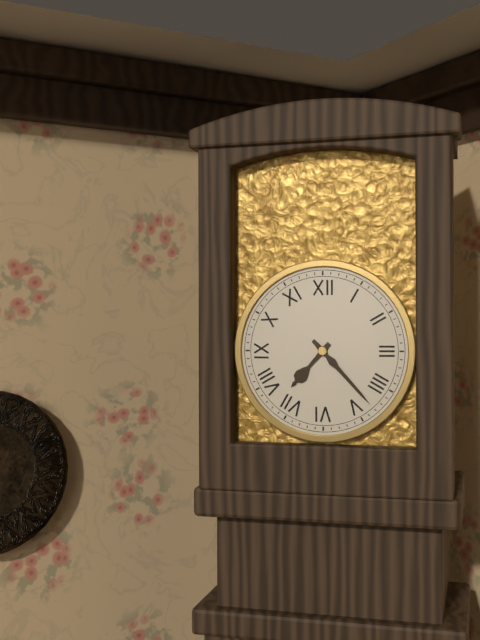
**7:23**
